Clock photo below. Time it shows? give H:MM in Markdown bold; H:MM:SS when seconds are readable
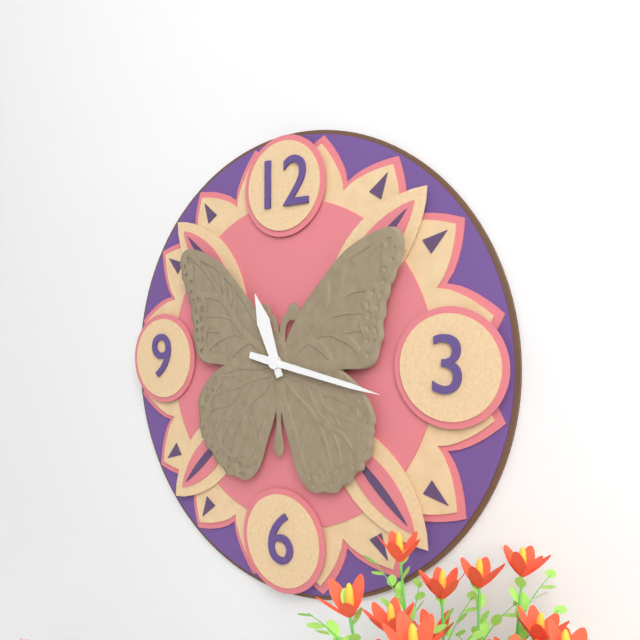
**11:17**
